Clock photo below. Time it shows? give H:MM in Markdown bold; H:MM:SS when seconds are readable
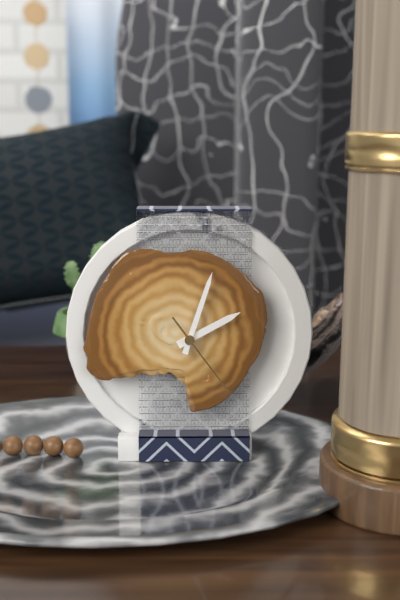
**2:03:24**
